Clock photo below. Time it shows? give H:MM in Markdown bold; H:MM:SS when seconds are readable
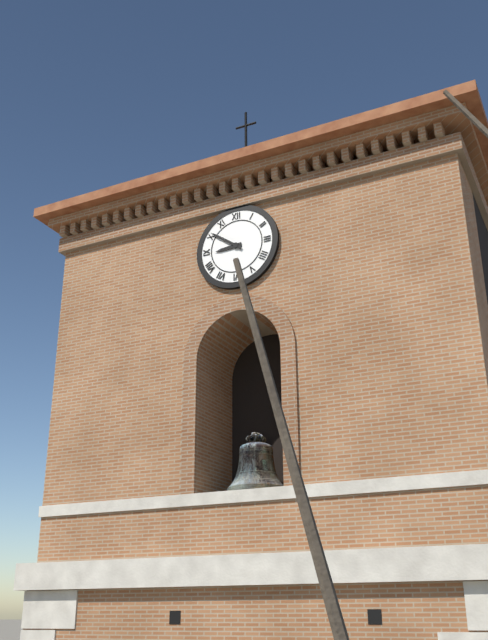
**8:51**
